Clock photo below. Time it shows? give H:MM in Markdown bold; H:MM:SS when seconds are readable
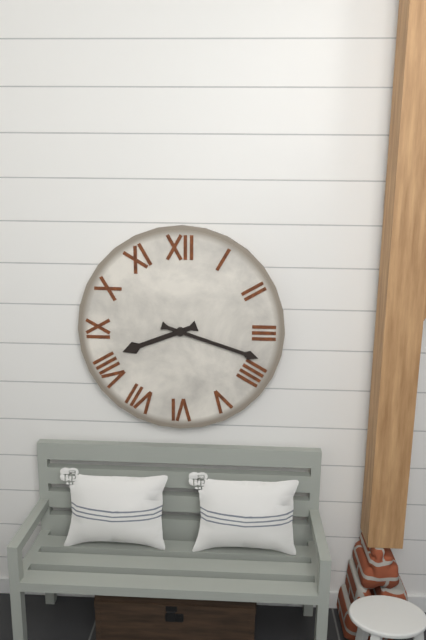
**8:18**
